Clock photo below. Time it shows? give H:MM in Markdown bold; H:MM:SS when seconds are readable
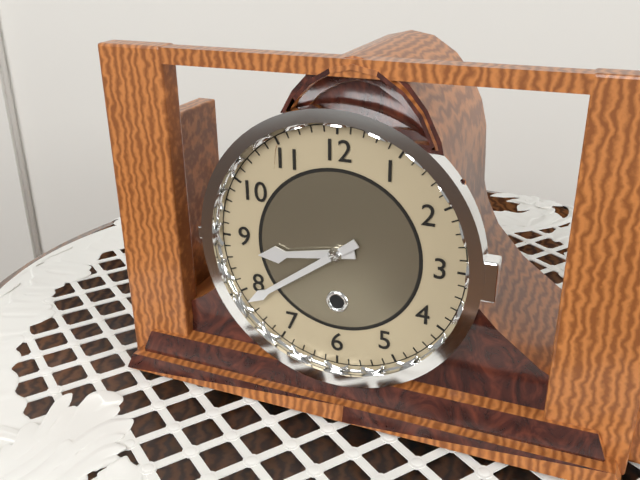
**8:39**
